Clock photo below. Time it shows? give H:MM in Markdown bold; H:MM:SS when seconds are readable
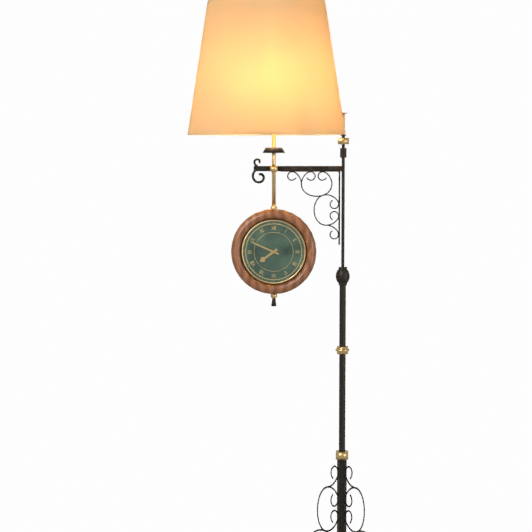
**7:49**
